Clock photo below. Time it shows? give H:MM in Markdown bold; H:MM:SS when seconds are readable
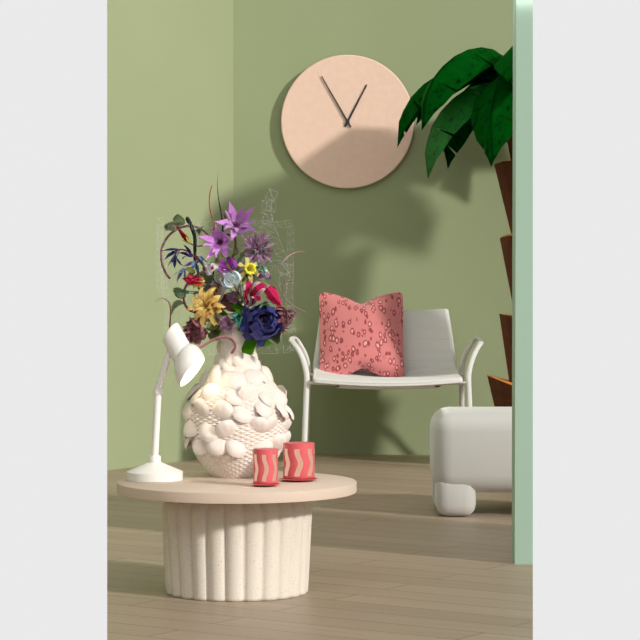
**12:55**
